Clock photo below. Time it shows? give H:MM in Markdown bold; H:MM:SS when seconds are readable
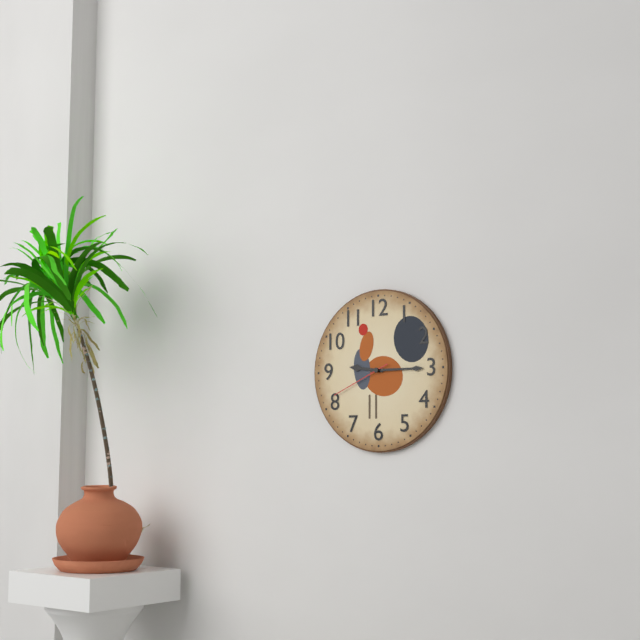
**9:15:41**
